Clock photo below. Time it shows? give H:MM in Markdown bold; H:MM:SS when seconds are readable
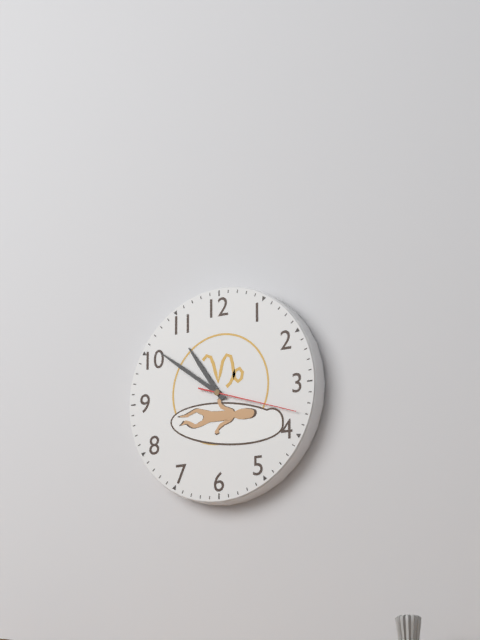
**10:51:18**
